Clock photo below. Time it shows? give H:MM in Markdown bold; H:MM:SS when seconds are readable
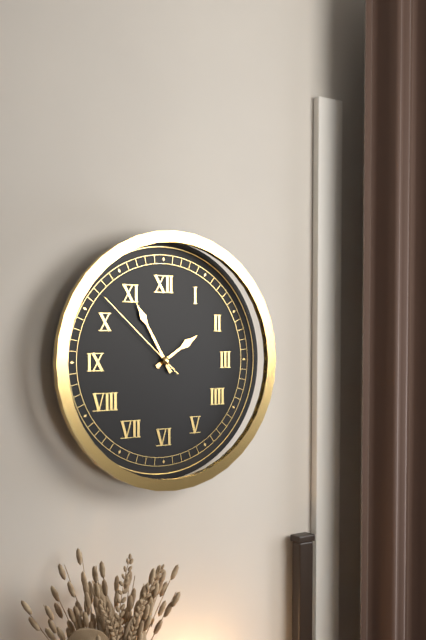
**1:55:52**
